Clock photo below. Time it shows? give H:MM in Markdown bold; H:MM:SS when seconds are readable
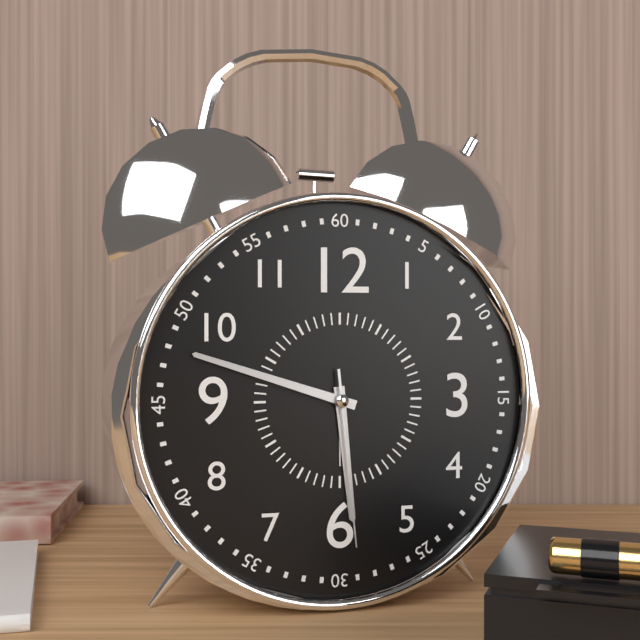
**5:48:29**
